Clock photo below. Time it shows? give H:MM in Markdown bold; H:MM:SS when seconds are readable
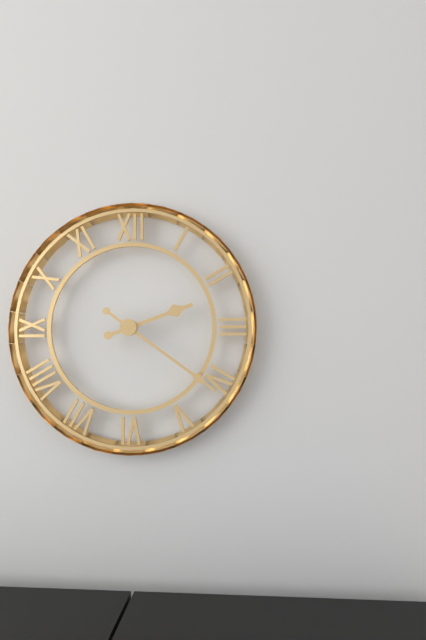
**2:21**
